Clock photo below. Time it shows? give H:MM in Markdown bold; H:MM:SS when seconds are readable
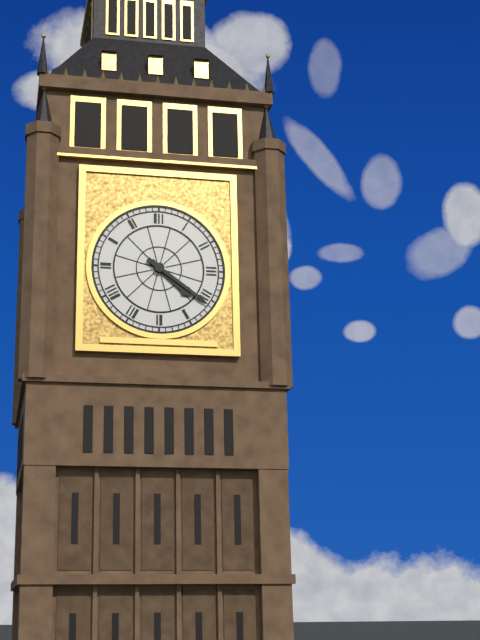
**4:21**
